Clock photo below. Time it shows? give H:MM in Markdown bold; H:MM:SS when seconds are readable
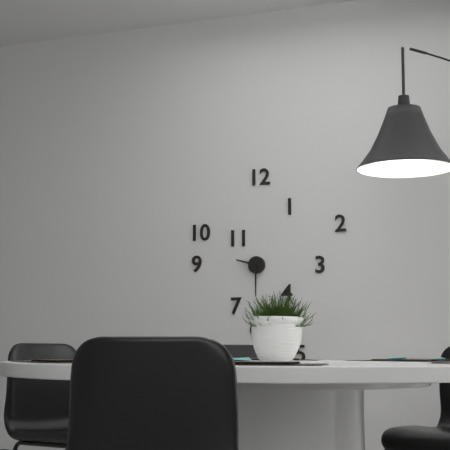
**9:30**
